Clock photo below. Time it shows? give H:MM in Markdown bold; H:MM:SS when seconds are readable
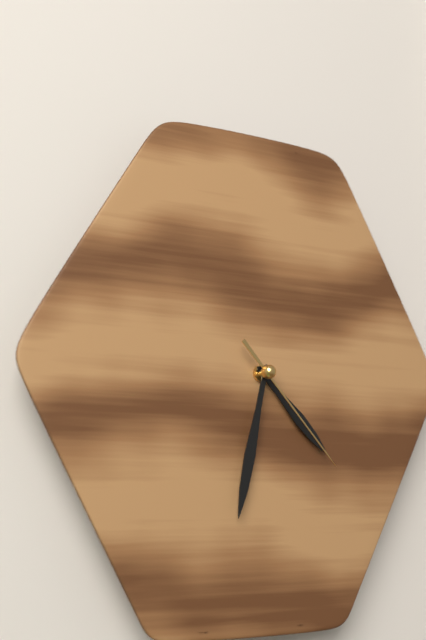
**4:32:23**
